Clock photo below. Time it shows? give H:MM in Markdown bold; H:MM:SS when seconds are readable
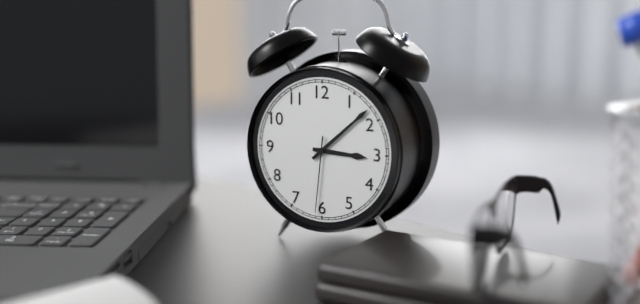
**3:08:31**
